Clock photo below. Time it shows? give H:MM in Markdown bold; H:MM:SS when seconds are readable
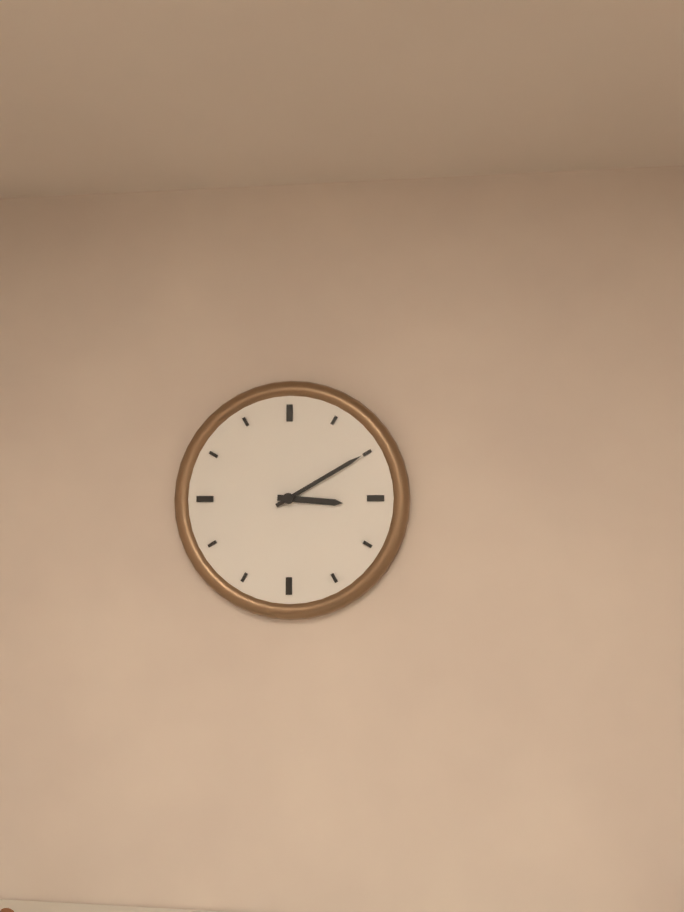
**3:10**
